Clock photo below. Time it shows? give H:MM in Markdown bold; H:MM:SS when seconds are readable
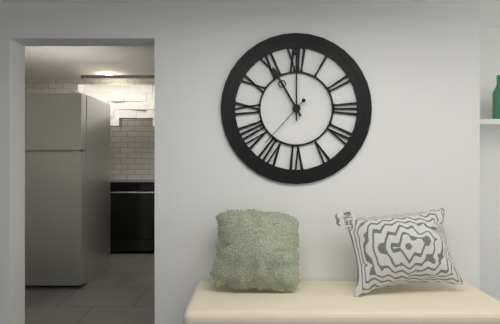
**11:00:37**
